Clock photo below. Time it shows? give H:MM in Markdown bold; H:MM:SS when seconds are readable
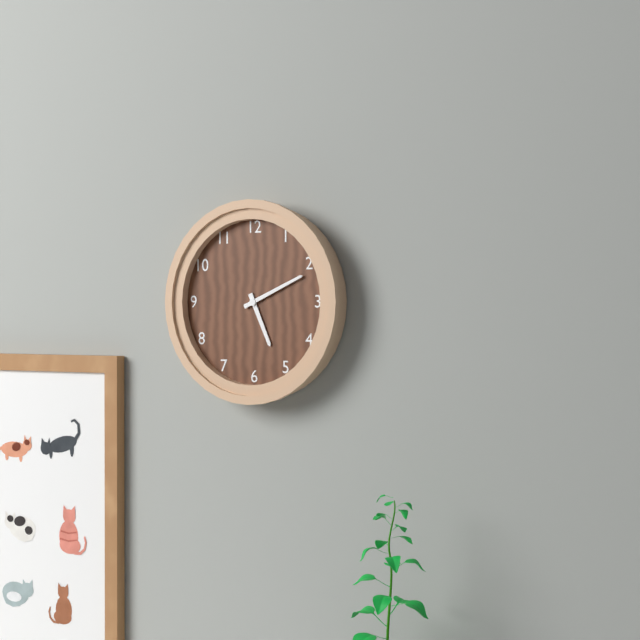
**5:11**
